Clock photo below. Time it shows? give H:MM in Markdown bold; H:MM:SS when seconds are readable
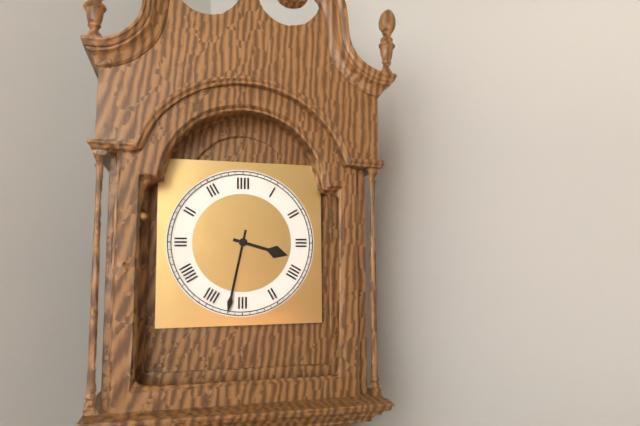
**3:32**
